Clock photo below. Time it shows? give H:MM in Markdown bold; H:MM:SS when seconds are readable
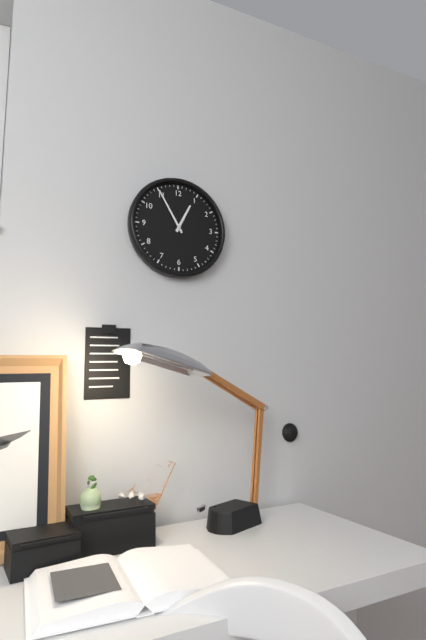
**12:55**
